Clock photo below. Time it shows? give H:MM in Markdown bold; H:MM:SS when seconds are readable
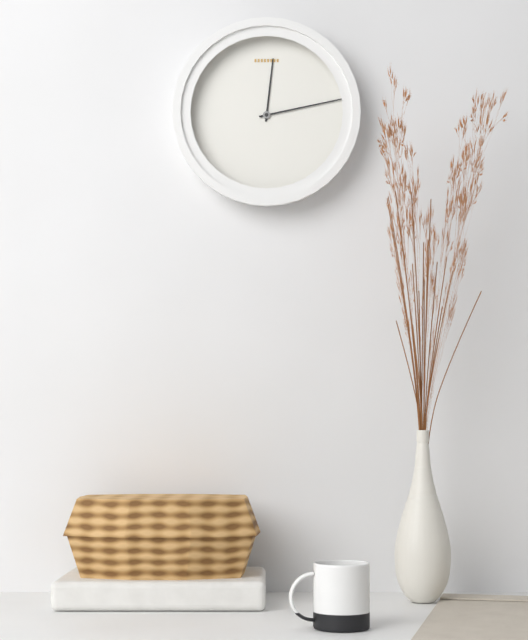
**12:13**
